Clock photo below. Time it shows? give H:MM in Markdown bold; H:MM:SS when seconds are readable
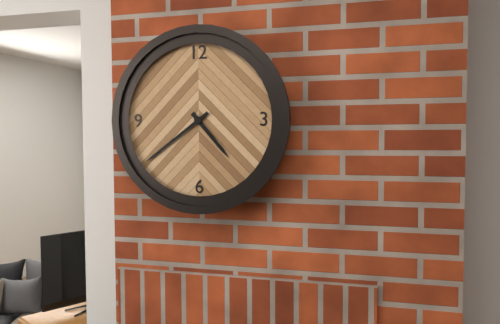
**4:39**
